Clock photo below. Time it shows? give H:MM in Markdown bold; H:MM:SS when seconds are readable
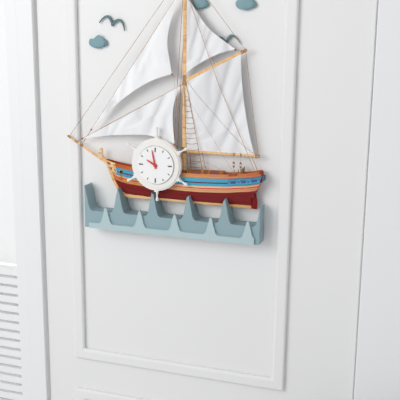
**9:58**
